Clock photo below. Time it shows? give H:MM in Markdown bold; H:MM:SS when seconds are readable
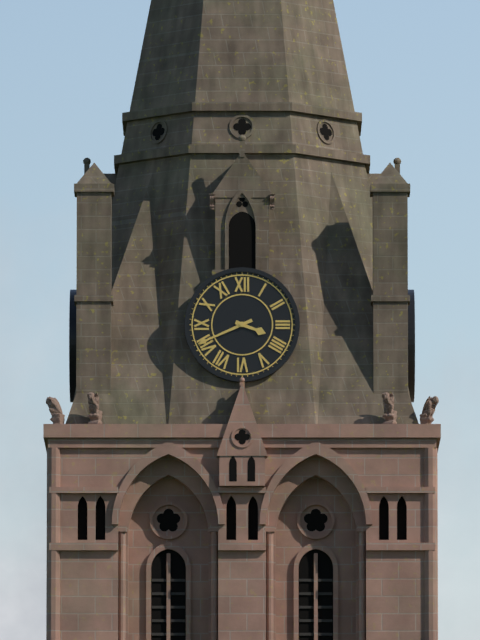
**3:41**
